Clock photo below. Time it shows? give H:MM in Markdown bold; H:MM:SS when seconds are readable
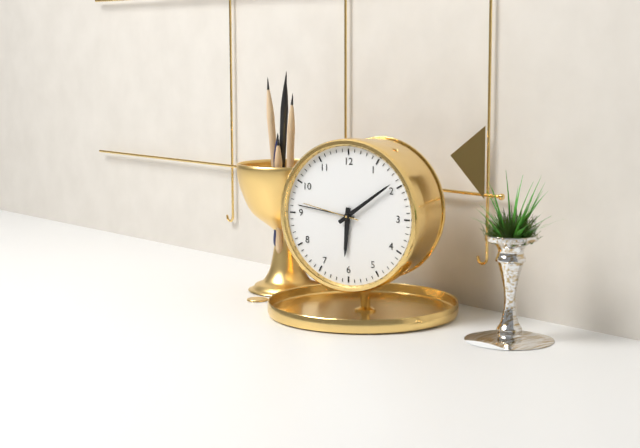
**6:09:47**
